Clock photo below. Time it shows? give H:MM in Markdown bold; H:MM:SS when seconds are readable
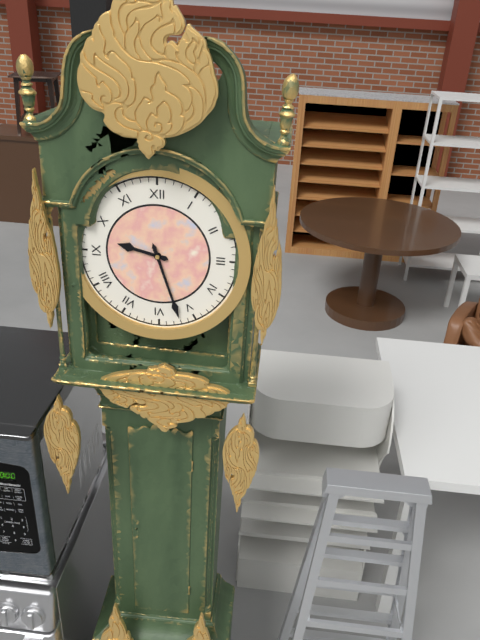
**9:27**
